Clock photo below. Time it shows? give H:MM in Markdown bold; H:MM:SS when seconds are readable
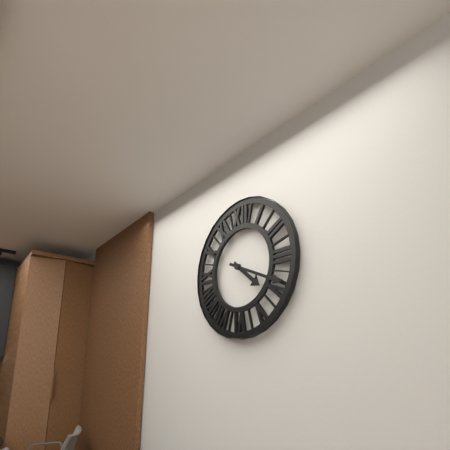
**4:19**
